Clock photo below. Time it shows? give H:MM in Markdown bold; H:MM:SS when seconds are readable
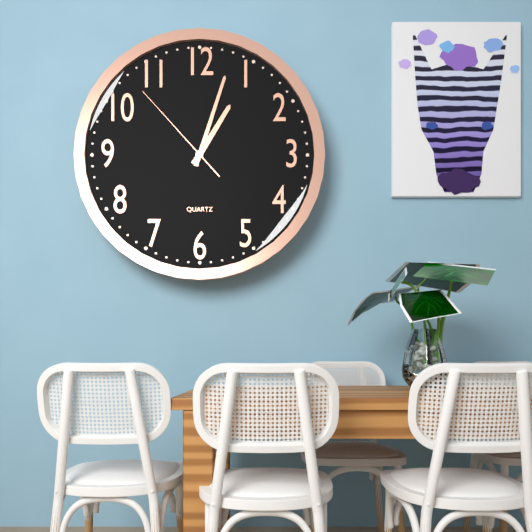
**1:03:53**
